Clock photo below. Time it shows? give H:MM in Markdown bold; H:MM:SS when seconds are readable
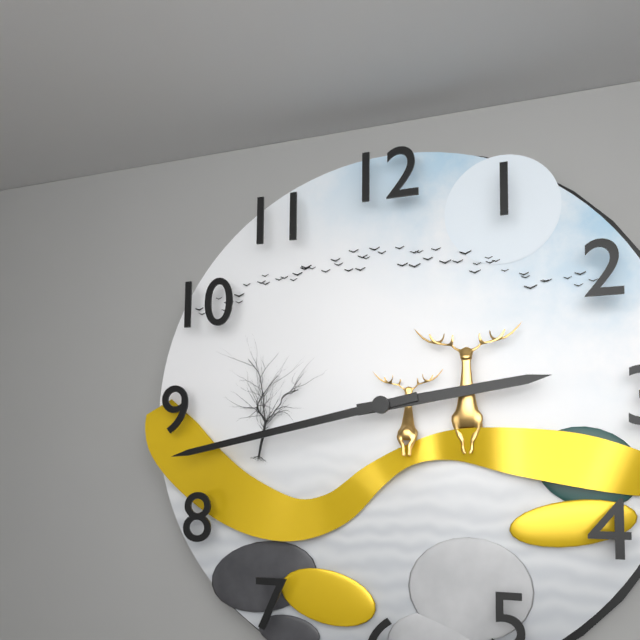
**2:43**
